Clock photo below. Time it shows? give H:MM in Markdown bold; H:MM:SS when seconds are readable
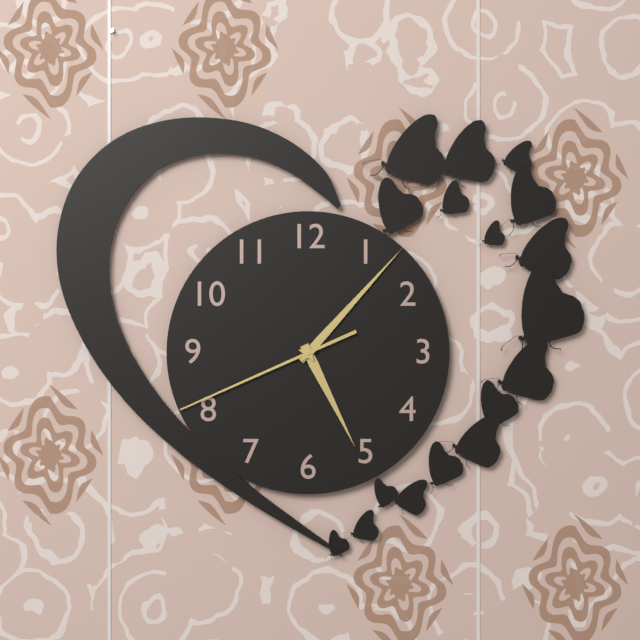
**5:07:41**
